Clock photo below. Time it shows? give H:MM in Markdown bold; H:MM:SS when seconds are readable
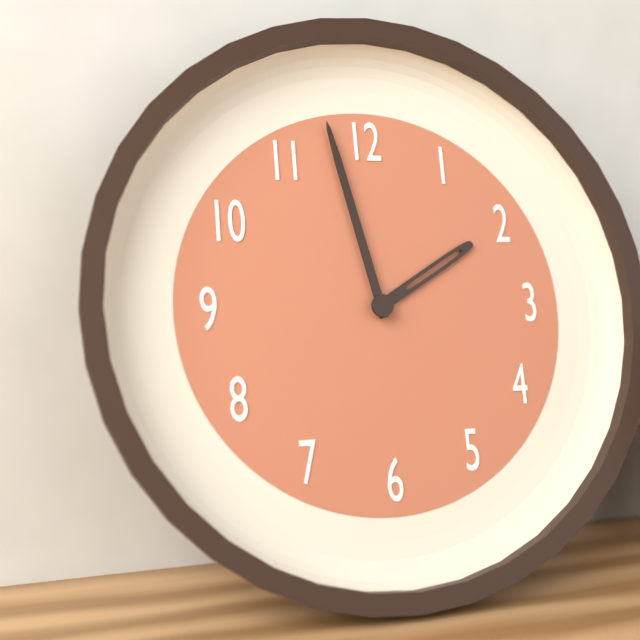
**1:58**
